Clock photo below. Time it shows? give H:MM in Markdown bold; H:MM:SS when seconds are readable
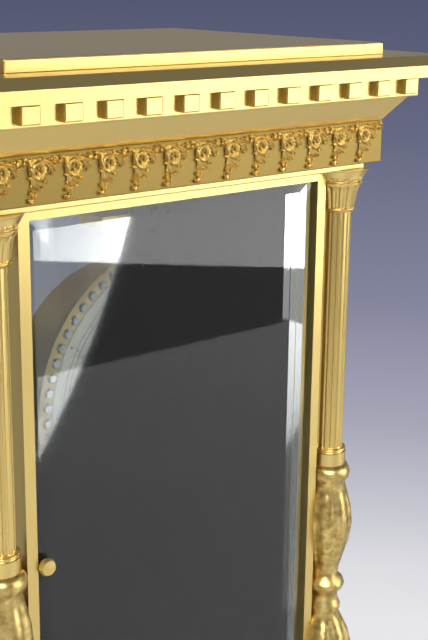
**3:34**
